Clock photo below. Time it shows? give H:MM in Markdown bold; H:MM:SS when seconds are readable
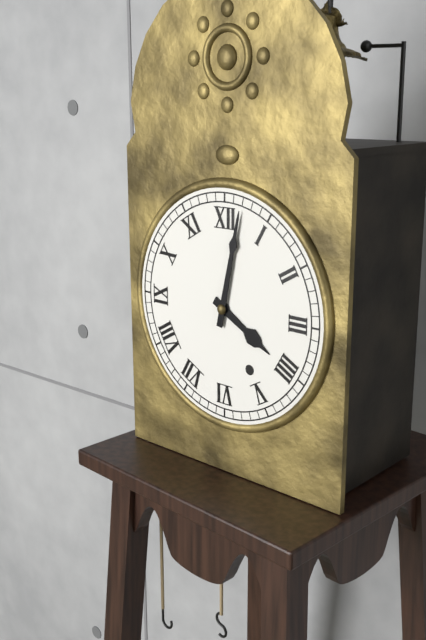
**4:02**
